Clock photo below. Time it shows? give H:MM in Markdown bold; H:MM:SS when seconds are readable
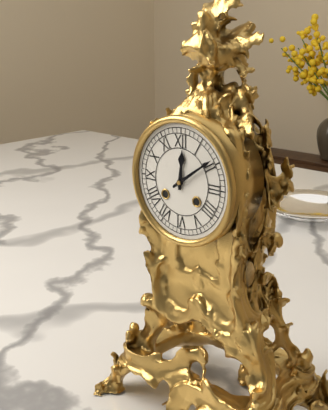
**12:09**
